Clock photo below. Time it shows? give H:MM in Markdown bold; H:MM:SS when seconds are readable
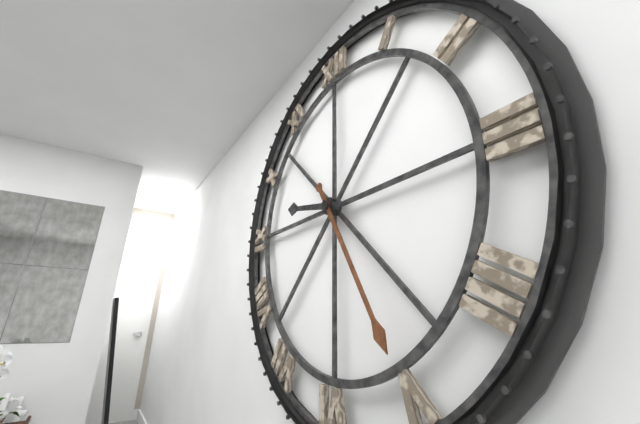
**9:25**
